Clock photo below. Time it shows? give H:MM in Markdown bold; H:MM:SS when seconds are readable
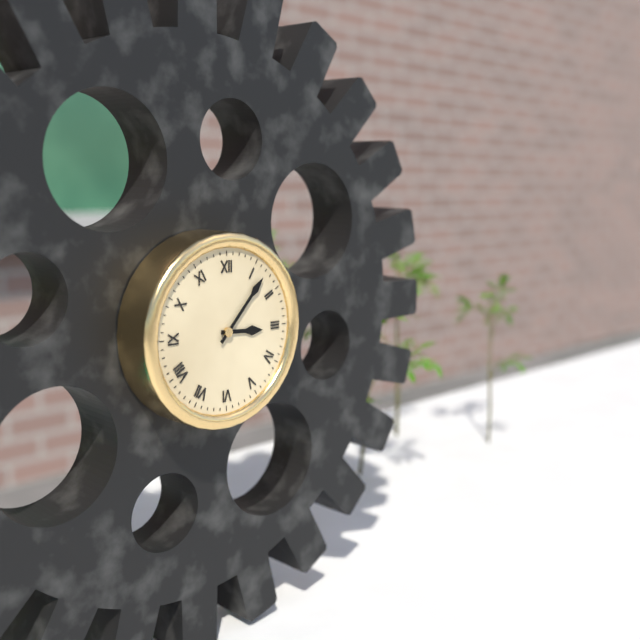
**3:07**
